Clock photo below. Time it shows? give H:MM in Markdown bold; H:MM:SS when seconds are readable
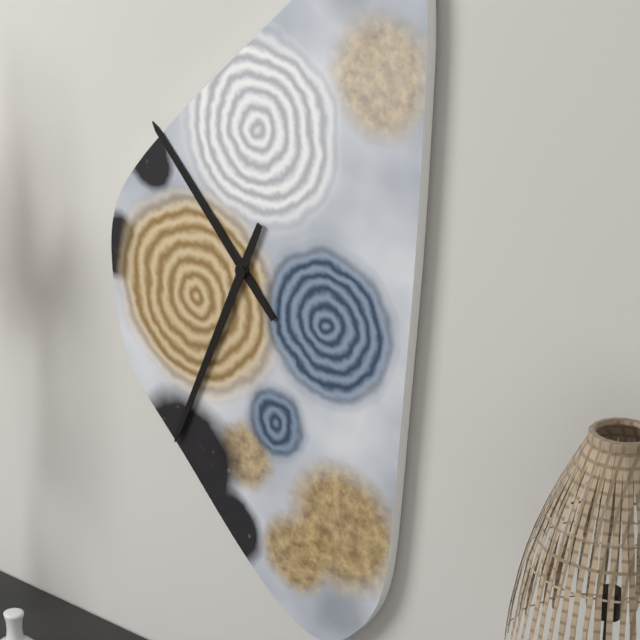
**10:34**
